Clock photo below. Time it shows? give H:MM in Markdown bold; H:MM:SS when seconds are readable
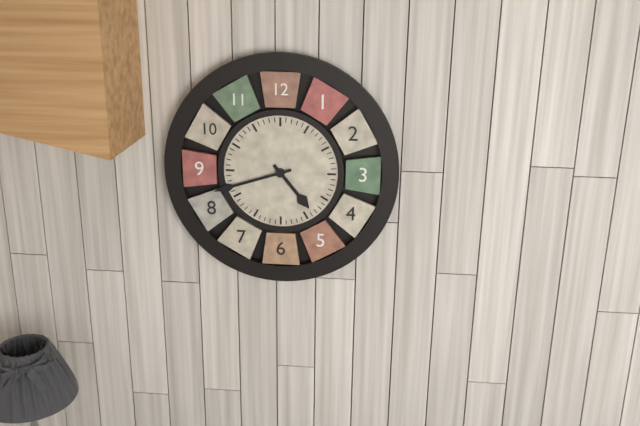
**4:42**
